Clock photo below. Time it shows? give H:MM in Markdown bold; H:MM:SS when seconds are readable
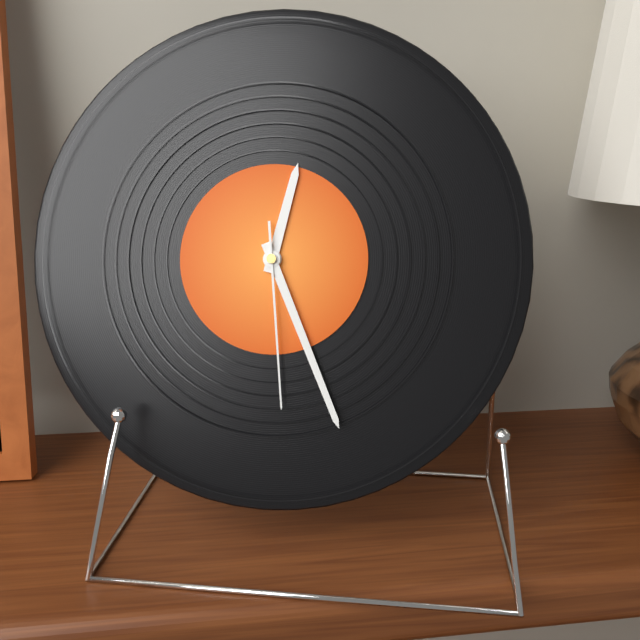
**12:26:29**
